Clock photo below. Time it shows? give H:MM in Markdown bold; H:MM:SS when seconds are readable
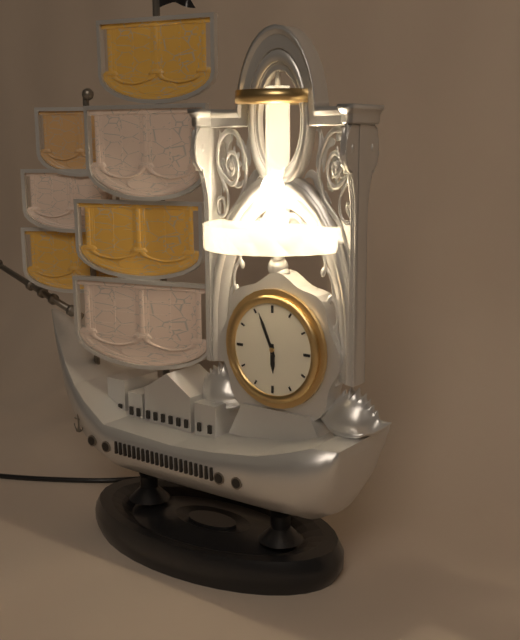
**5:56**
